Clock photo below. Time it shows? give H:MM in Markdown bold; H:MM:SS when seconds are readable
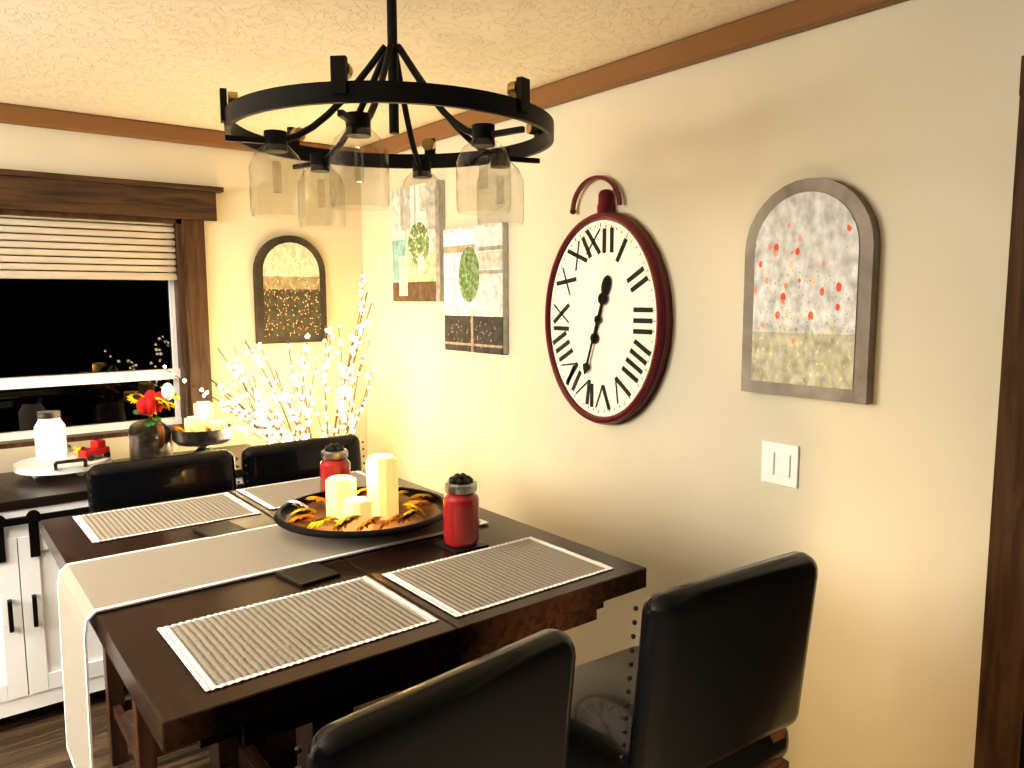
**12:33**
